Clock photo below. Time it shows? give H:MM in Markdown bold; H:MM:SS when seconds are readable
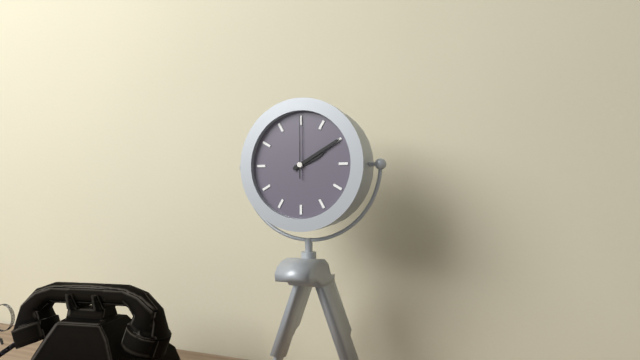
**2:10:00**
